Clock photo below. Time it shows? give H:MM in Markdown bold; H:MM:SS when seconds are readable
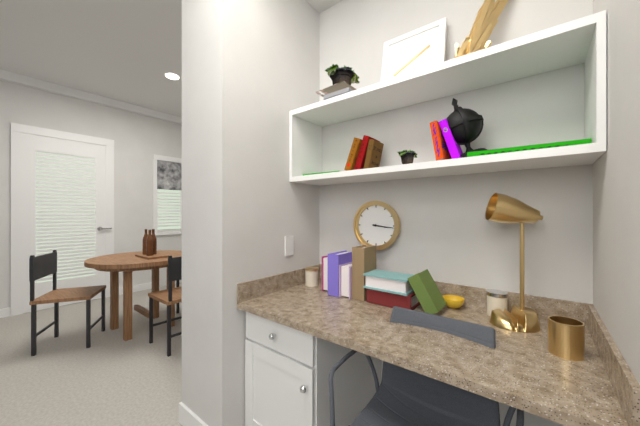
**3:16**
